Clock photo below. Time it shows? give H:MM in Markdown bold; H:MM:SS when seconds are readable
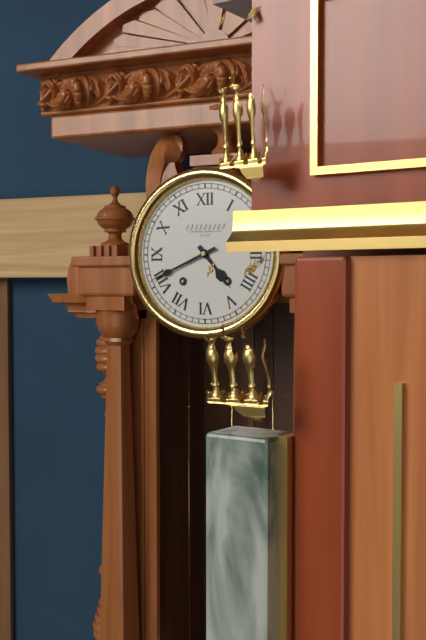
**4:41**
